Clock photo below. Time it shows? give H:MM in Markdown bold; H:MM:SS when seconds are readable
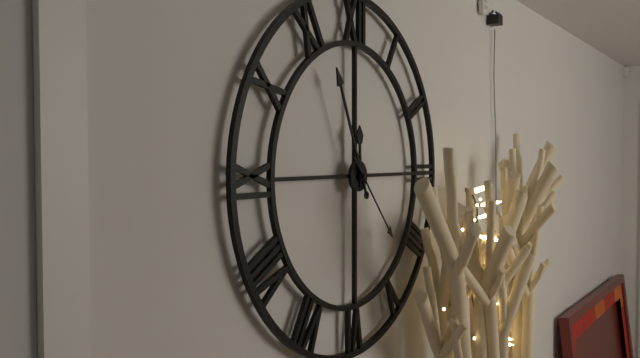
**11:56:23**
